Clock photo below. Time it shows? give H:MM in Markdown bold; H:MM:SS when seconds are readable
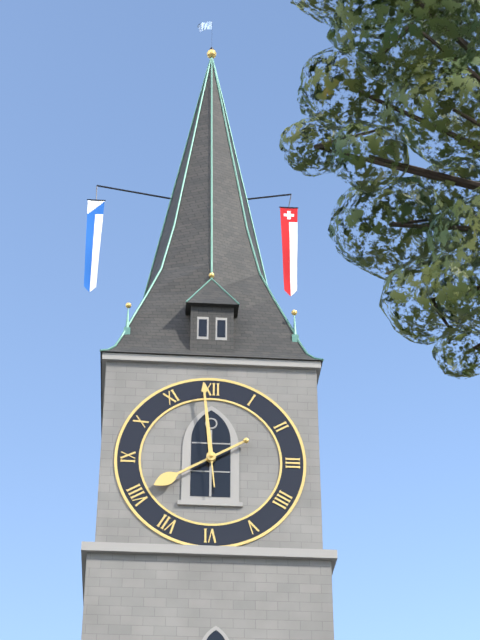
**7:59**
